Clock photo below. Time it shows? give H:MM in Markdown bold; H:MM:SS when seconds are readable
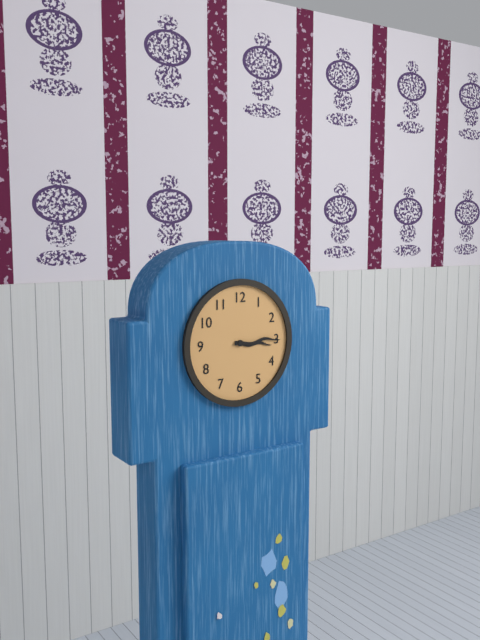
**3:15**
